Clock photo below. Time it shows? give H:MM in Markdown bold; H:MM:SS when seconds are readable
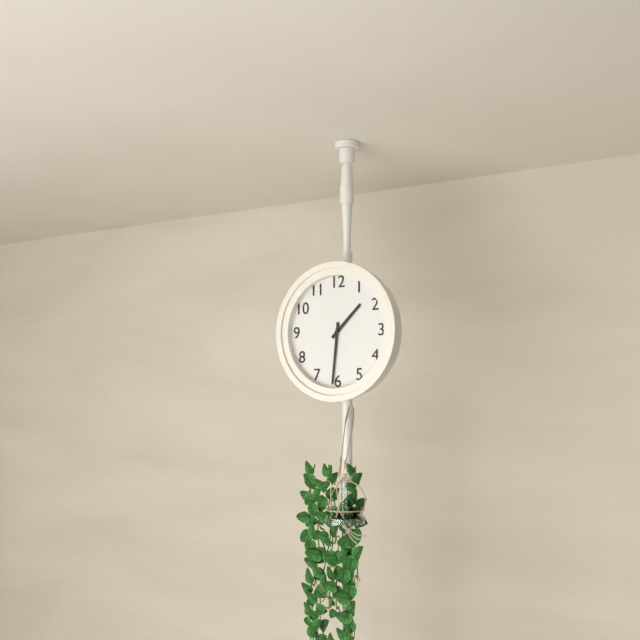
**1:31**
